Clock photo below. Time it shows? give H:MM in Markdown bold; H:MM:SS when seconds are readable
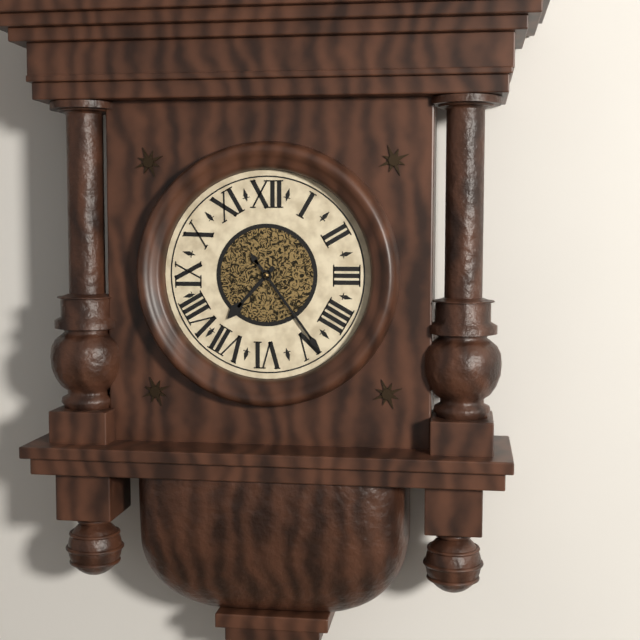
**7:24**
